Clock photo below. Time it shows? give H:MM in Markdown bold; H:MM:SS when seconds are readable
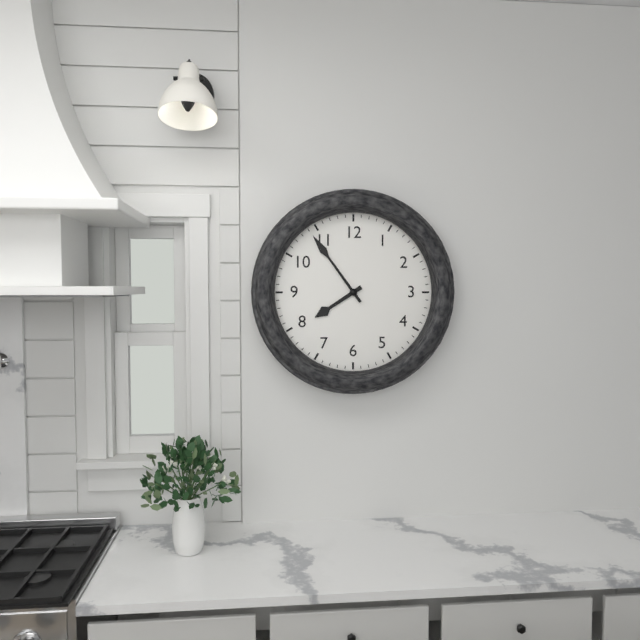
**7:54**
